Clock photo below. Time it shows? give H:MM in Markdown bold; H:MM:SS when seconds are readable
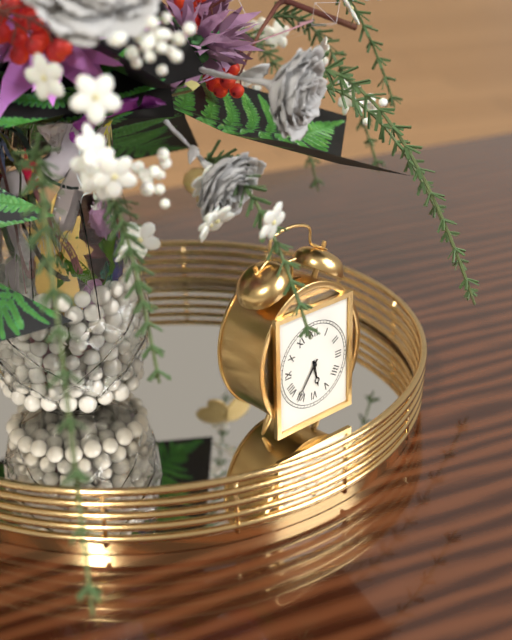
**5:36**
